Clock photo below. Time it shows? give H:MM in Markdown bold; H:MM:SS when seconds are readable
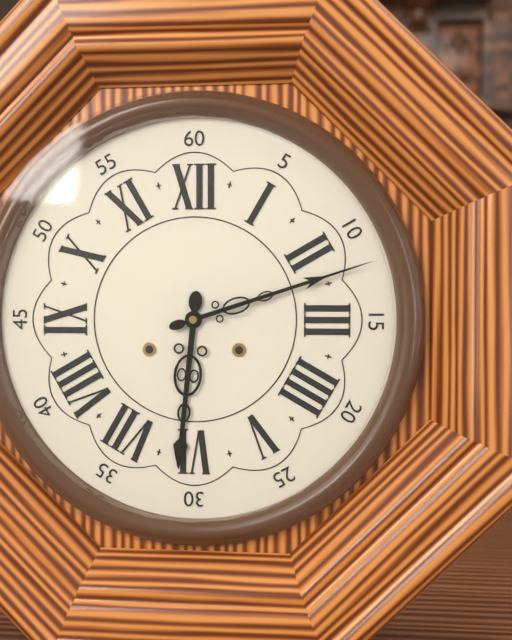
**6:12**
